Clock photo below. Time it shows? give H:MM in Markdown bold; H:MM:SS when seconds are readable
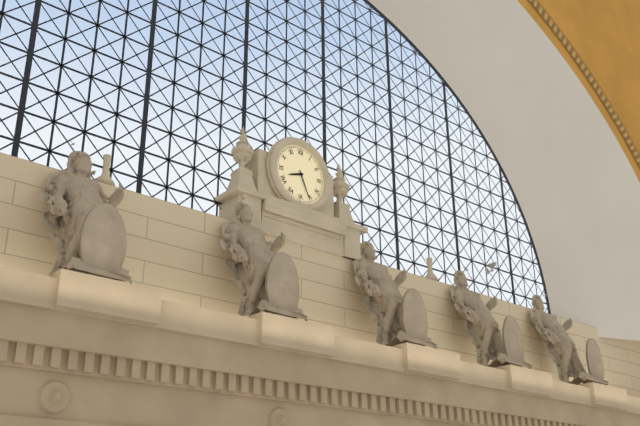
**8:26**
